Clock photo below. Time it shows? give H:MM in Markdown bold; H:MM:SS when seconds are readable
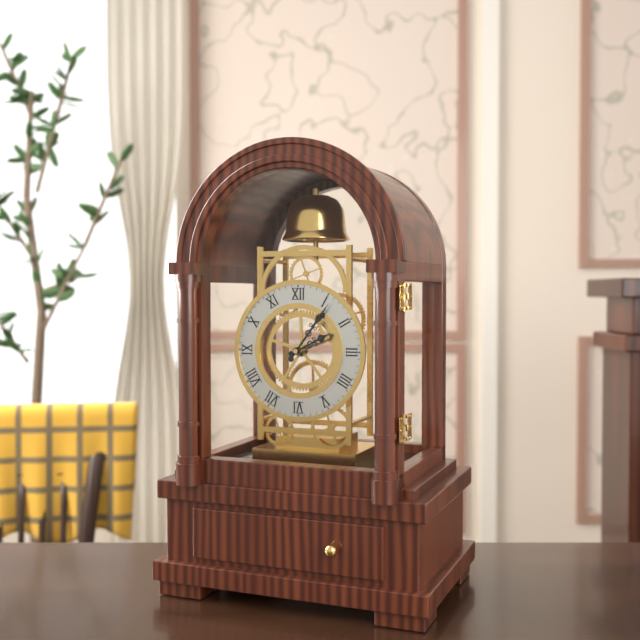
**2:06**
